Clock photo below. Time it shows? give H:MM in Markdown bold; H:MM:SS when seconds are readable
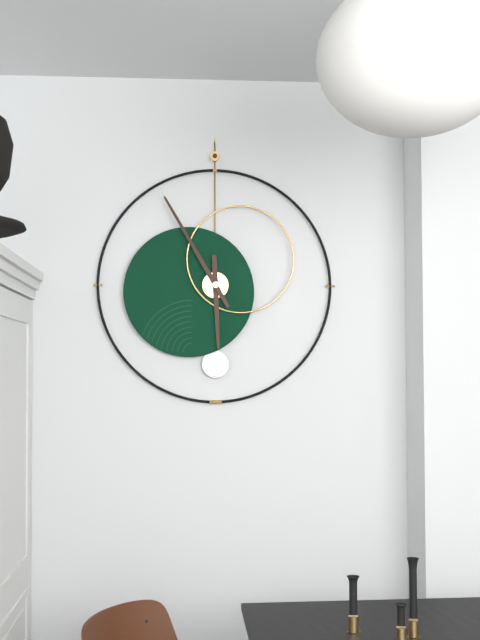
**5:55**
